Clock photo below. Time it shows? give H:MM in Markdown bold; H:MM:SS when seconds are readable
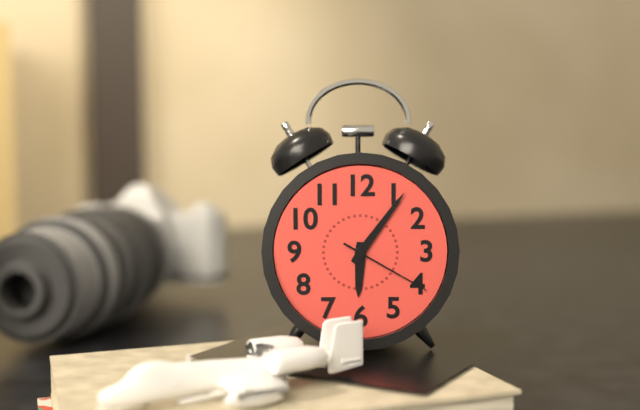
**6:06:20**
